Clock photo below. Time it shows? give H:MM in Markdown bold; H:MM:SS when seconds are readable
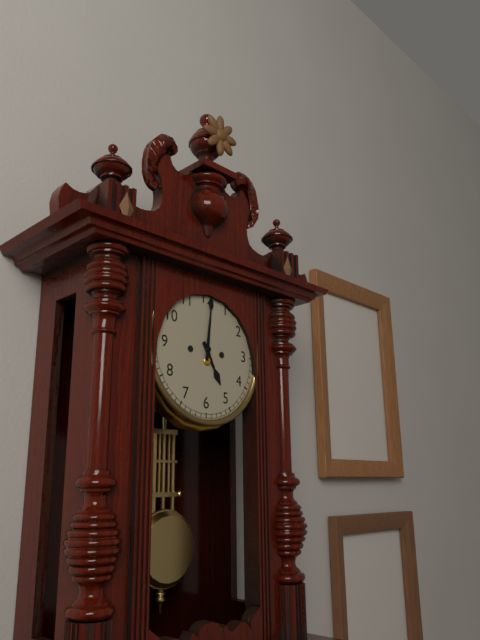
**5:01**
